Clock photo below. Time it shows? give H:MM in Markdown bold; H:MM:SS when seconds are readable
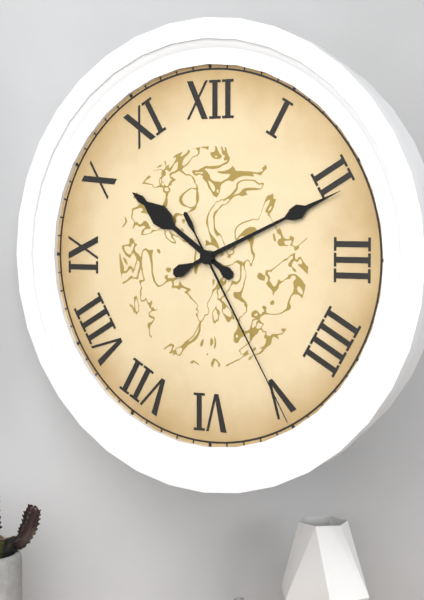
**10:11:25**
